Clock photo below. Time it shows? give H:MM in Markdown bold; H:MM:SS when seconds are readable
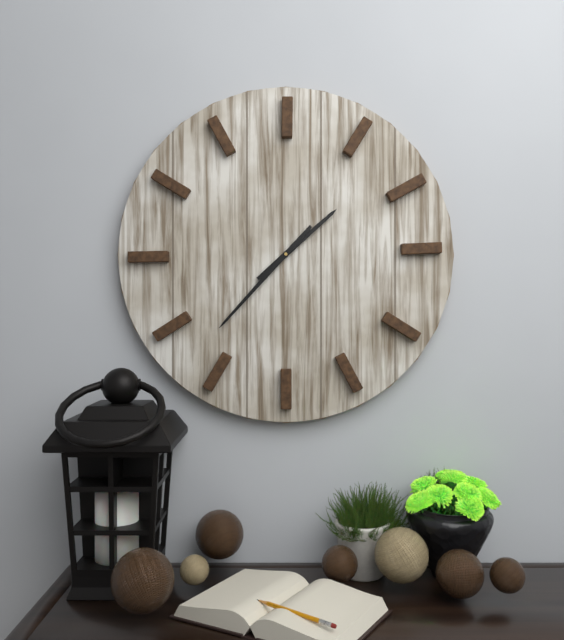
**1:37**
